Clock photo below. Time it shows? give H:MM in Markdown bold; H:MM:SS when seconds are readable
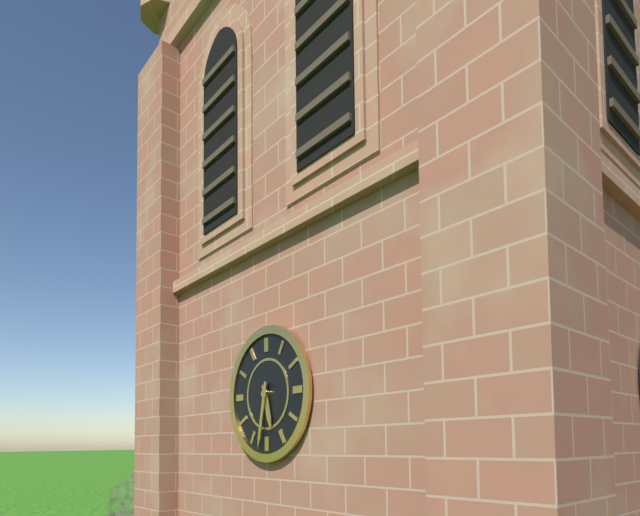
**5:32**
